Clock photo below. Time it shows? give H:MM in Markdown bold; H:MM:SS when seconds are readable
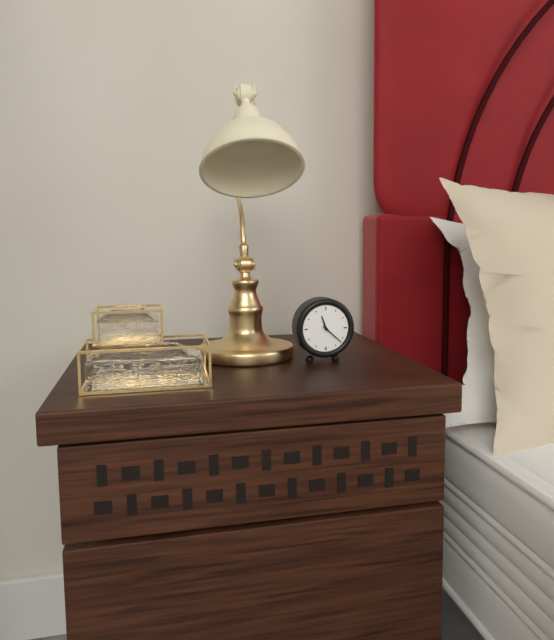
**11:22**
